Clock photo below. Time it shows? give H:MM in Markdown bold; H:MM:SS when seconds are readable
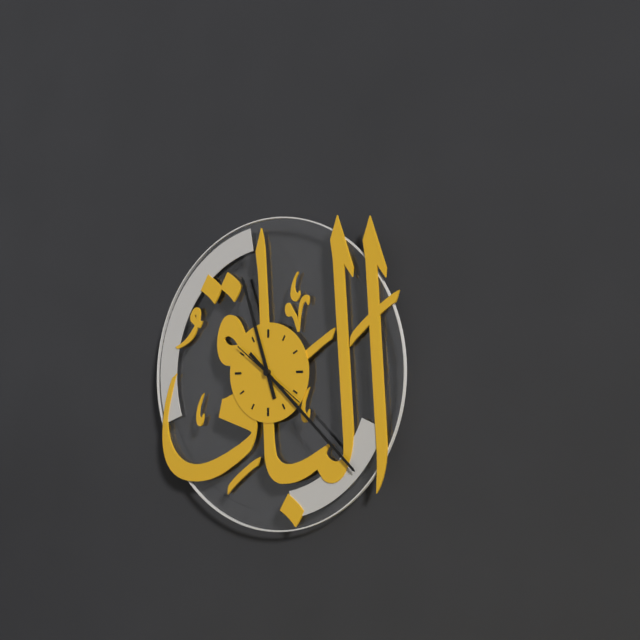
**11:22**
